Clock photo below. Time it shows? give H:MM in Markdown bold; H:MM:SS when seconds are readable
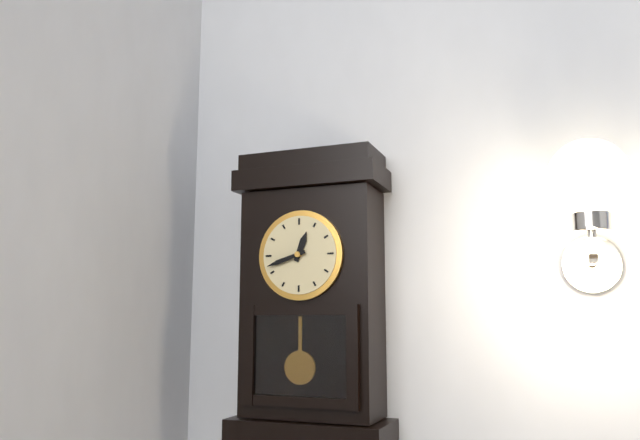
**12:42**
